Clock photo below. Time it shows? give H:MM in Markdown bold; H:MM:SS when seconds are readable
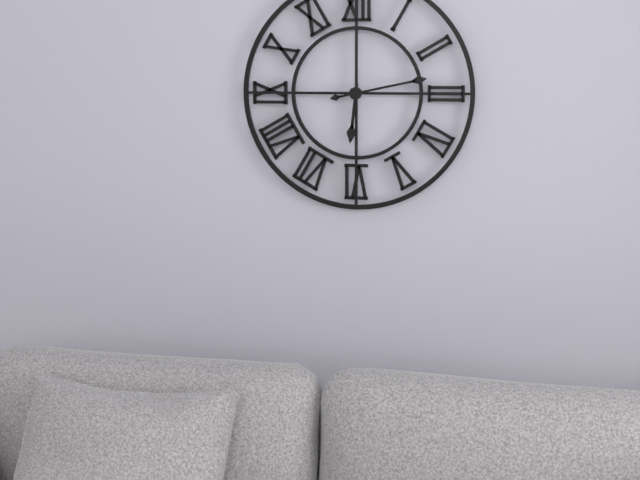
**6:13**
